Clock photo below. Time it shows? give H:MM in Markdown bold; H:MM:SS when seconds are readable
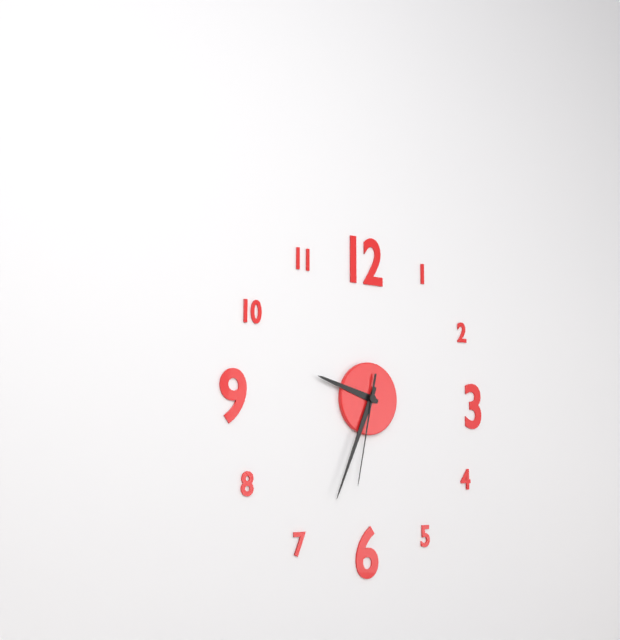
**9:34:32**
